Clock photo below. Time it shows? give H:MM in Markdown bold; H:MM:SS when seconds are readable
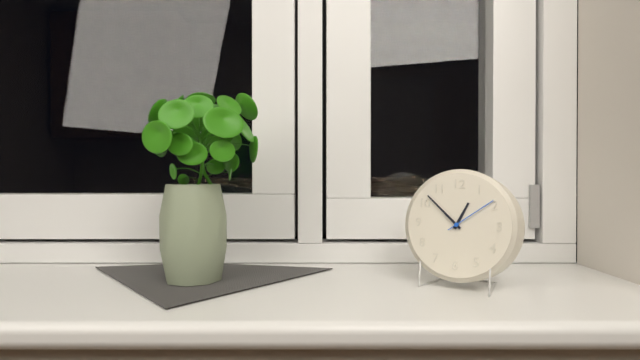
**12:52:09**
